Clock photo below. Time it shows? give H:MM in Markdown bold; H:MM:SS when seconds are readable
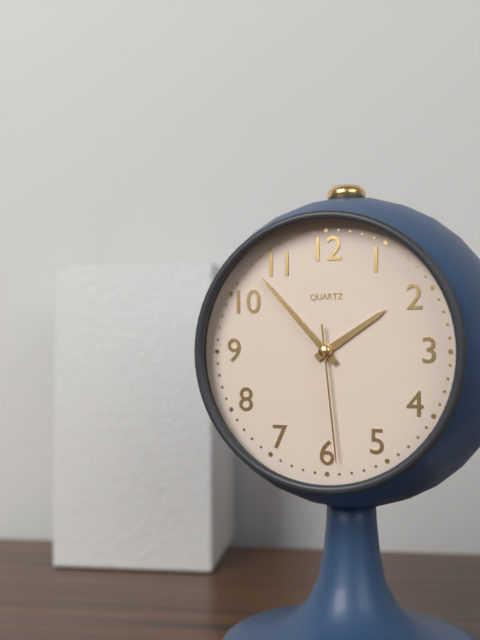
**1:53:29**
